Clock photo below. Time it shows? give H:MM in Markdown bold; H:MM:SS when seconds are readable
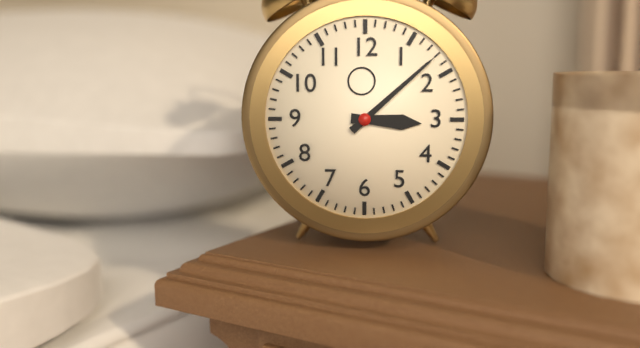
**3:08**
